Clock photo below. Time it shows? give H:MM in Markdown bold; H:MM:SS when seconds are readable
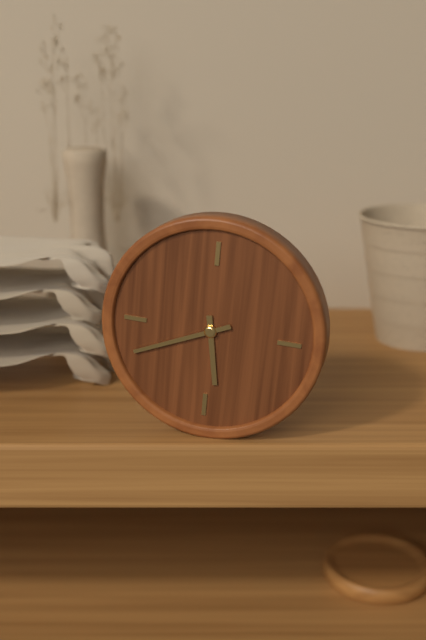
**5:41**
